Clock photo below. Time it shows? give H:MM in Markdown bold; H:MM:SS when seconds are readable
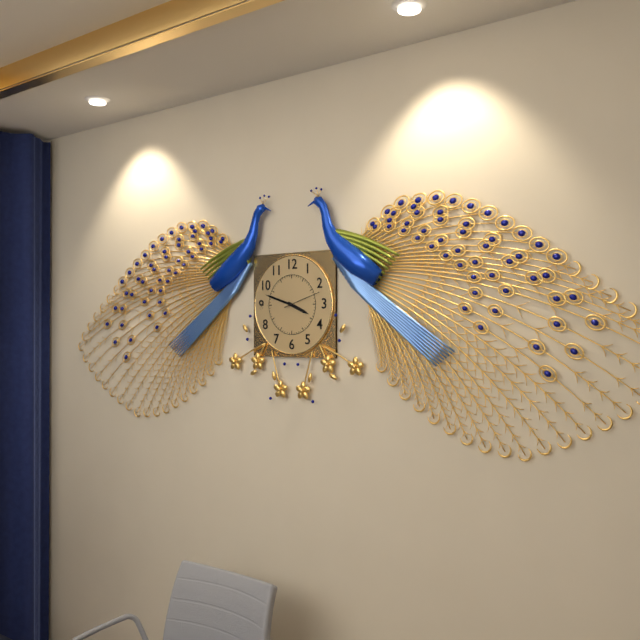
**3:48**
